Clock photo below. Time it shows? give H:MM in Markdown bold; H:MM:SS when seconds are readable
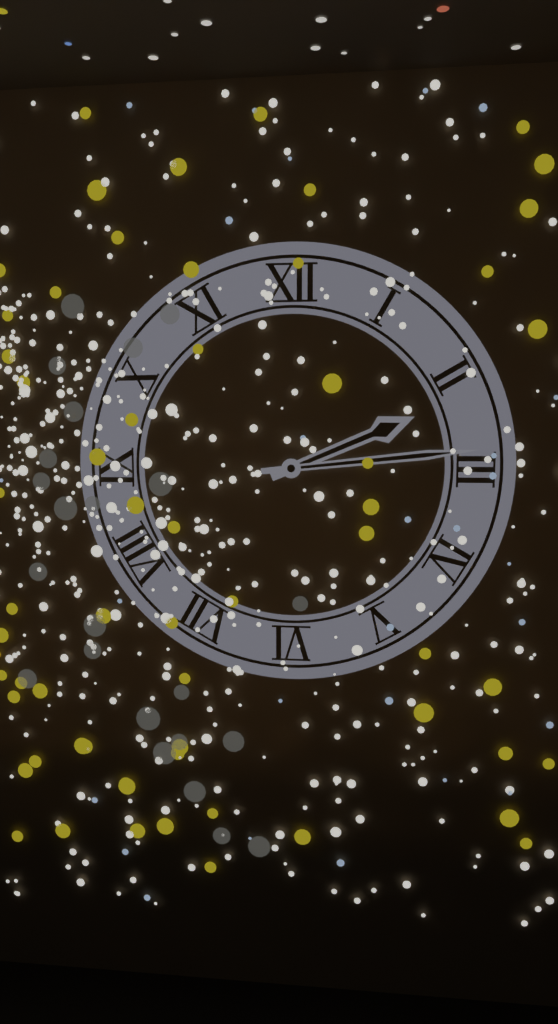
**2:14**
